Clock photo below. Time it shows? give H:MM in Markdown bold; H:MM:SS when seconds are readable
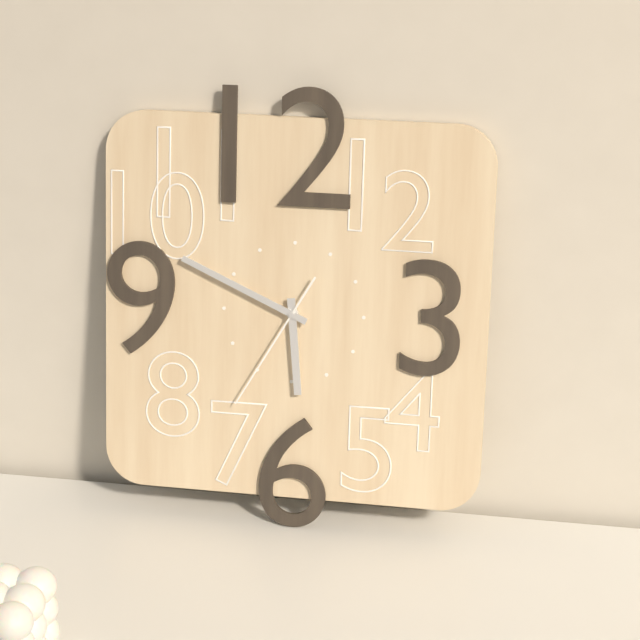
**5:49:35**
